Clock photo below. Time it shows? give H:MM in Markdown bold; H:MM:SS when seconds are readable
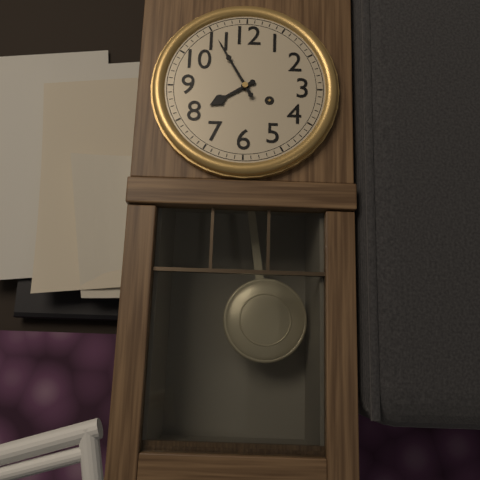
**7:55**
